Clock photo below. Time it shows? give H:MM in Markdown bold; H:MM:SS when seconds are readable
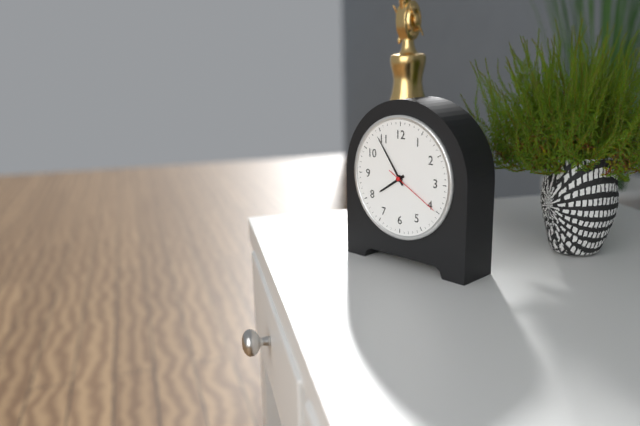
**7:54:20**
